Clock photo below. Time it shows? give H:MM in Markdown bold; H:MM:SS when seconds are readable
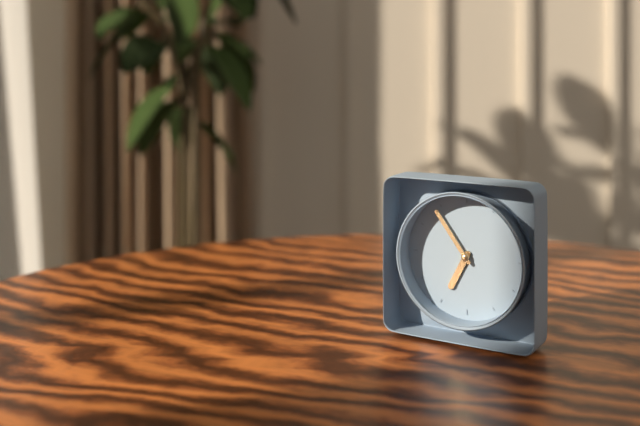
**6:54**
